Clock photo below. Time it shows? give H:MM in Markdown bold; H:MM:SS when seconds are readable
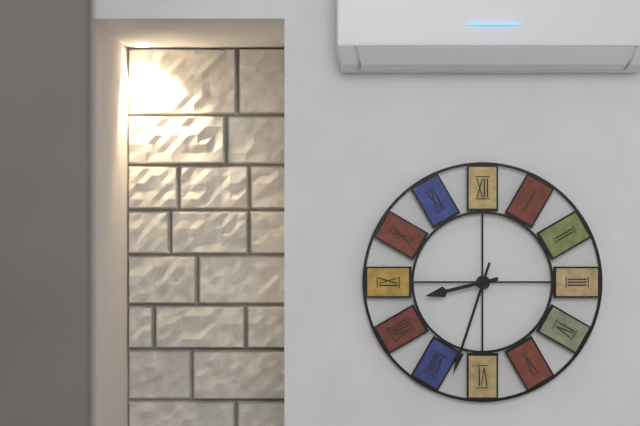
**8:33**
